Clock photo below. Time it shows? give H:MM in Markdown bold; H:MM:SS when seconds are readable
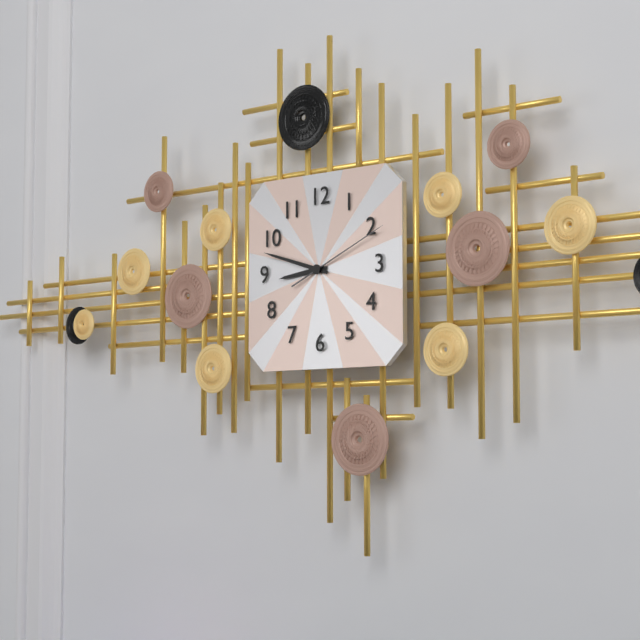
**8:48:11**
